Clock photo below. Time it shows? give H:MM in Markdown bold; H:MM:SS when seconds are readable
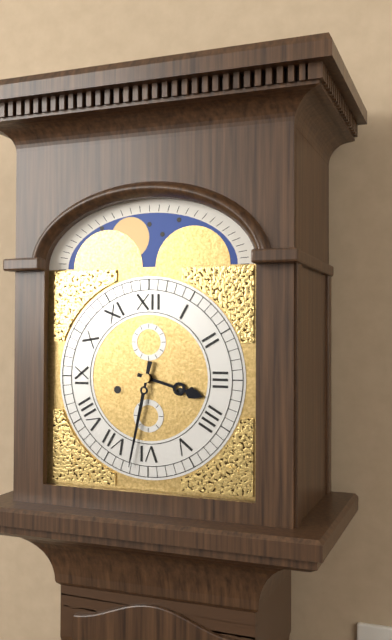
**3:32**
